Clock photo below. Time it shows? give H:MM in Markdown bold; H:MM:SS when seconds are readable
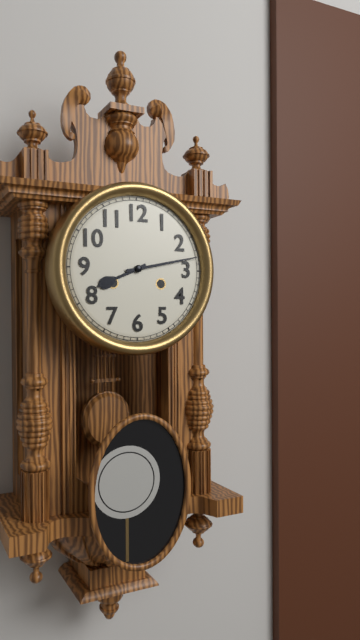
**8:13**
